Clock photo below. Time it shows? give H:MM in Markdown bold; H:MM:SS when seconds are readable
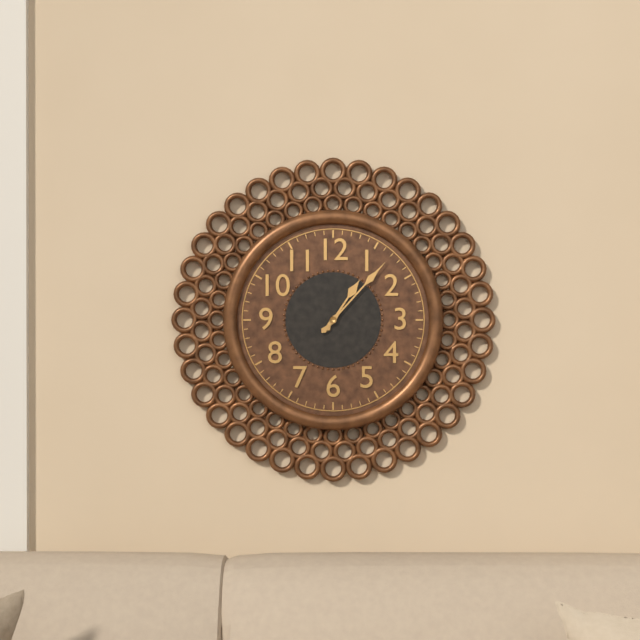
**1:07**
